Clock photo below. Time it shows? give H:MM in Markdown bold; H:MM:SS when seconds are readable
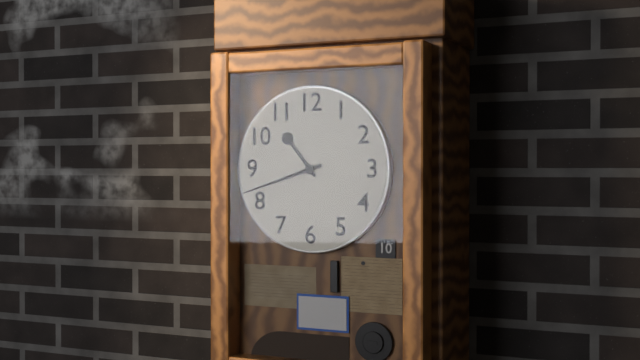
**10:42**
